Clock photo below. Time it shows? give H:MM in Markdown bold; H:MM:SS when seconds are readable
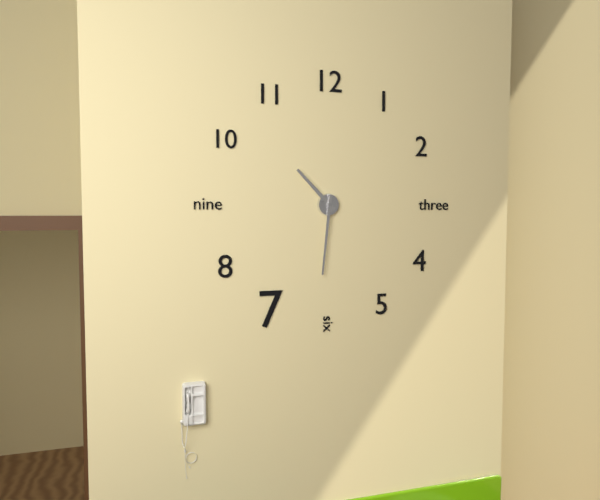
**10:31**
